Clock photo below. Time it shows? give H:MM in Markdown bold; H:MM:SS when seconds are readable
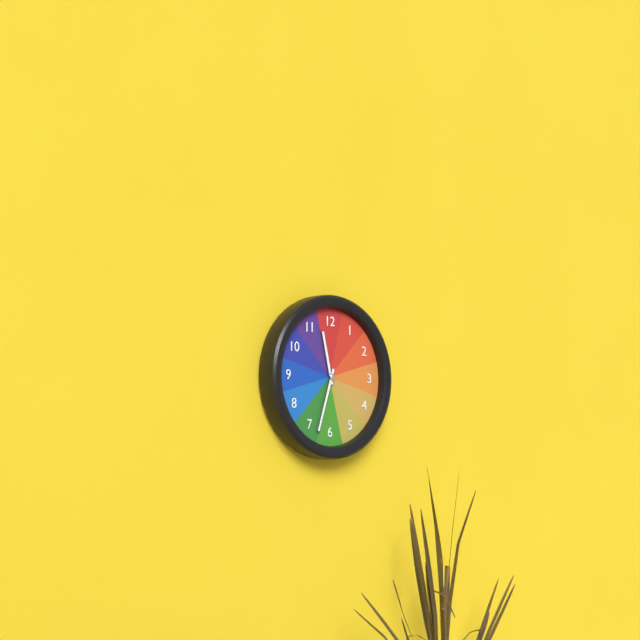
**11:33**
